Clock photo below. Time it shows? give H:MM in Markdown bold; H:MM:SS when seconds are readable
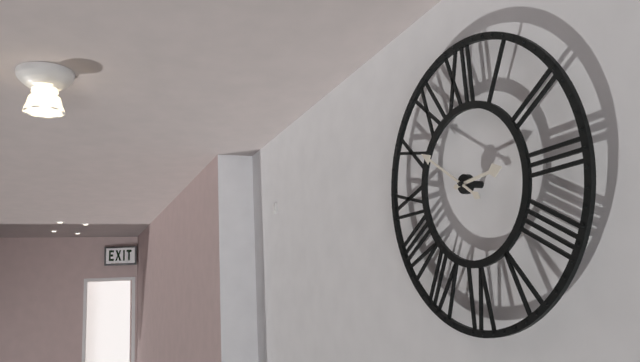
**2:51**
